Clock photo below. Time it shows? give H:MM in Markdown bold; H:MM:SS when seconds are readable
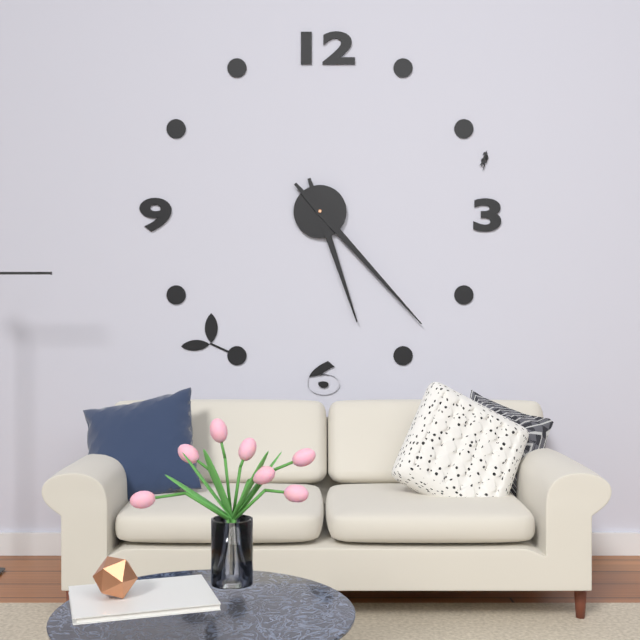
**5:23**
